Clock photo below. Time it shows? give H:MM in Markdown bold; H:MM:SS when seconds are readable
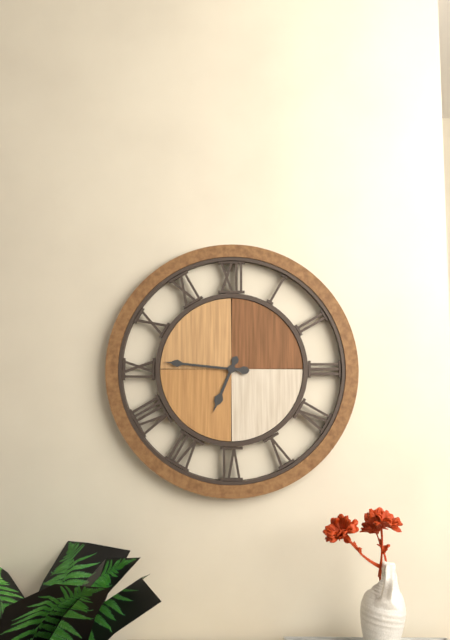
**6:46**
